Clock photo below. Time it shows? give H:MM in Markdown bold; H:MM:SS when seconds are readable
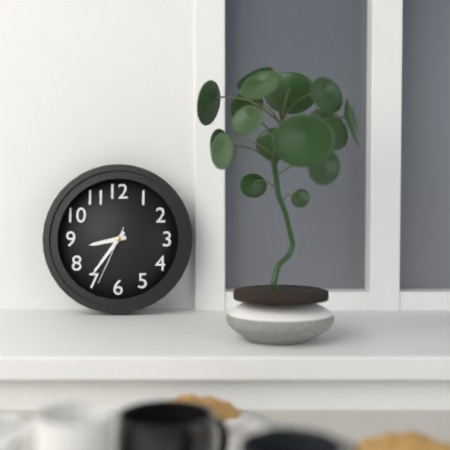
**8:36:34**
